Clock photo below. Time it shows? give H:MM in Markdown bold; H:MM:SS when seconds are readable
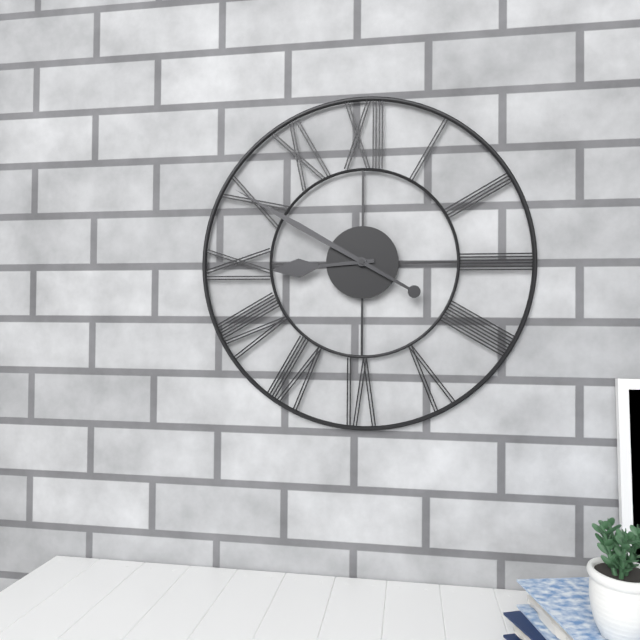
**8:50**
